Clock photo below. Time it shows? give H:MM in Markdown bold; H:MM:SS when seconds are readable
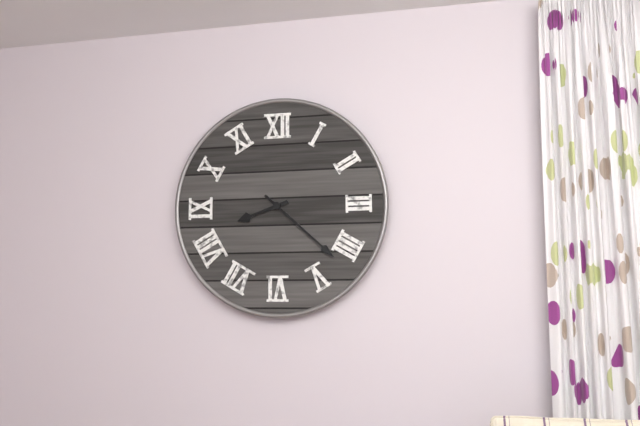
**8:22**
